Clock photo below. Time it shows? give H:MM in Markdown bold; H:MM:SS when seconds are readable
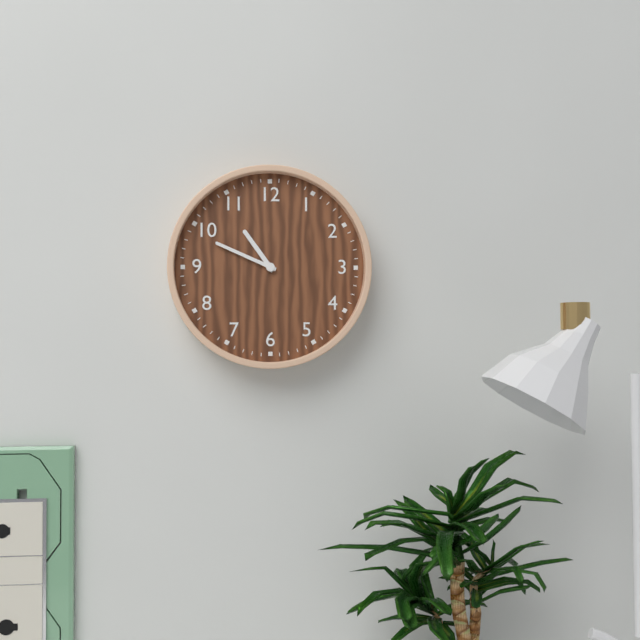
**10:49**
